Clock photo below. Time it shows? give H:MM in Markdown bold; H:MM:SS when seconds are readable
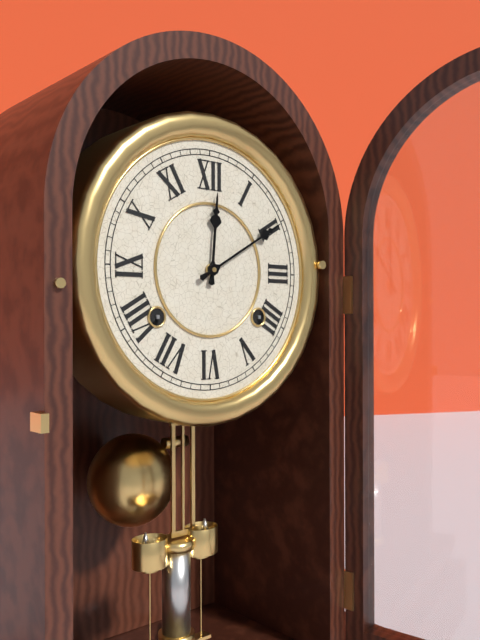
**12:10**
